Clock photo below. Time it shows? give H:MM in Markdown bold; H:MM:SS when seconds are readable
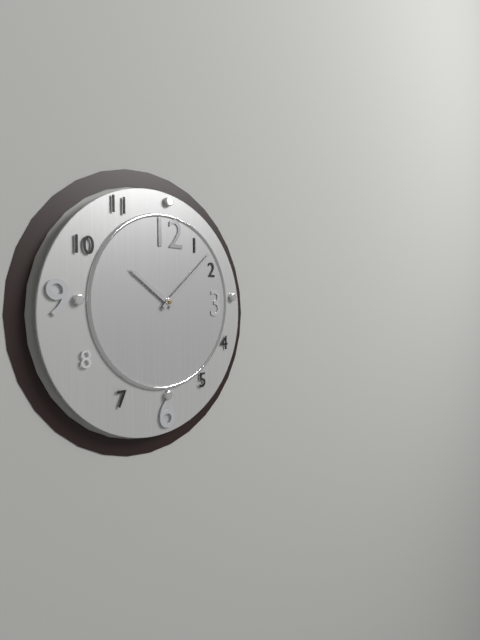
**10:08**
